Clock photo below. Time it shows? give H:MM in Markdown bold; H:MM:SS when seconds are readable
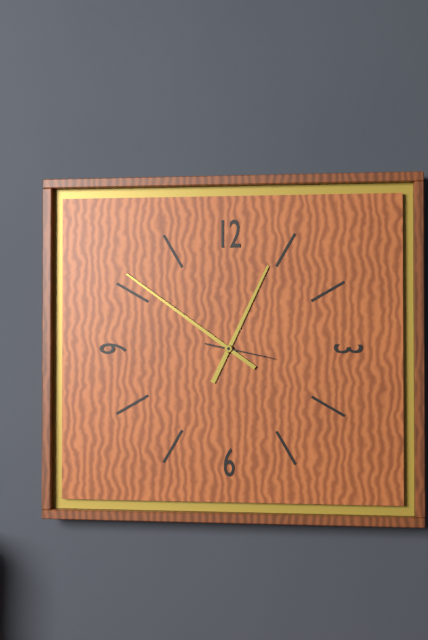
**12:51:17**
